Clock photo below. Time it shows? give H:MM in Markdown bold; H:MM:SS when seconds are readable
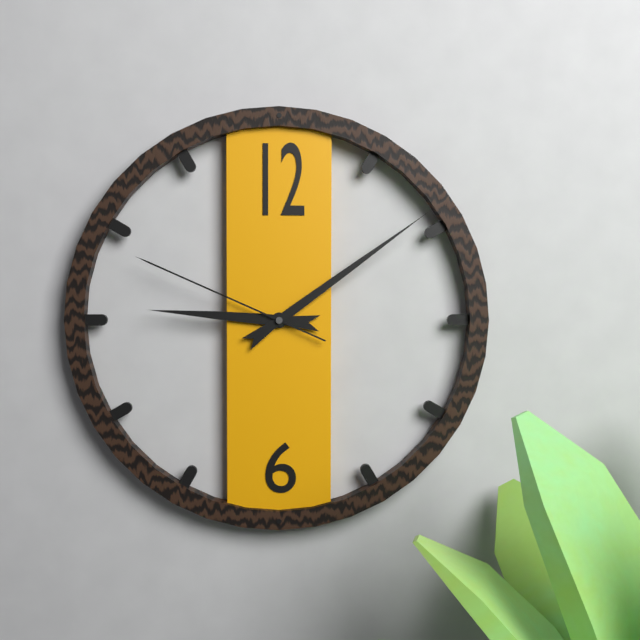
**9:09:49**
